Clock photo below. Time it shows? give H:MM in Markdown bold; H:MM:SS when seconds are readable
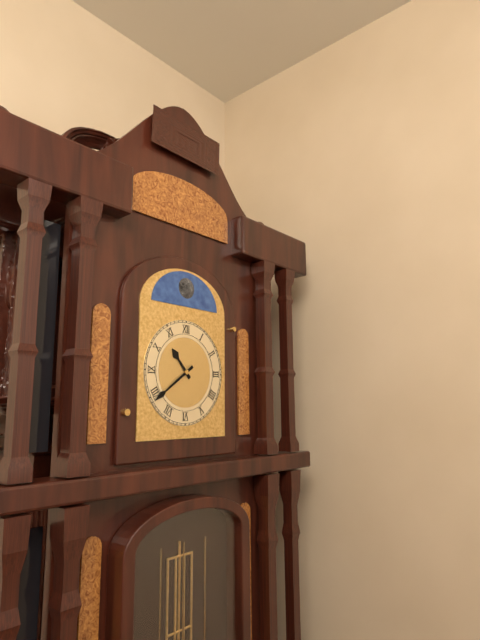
**10:39**
